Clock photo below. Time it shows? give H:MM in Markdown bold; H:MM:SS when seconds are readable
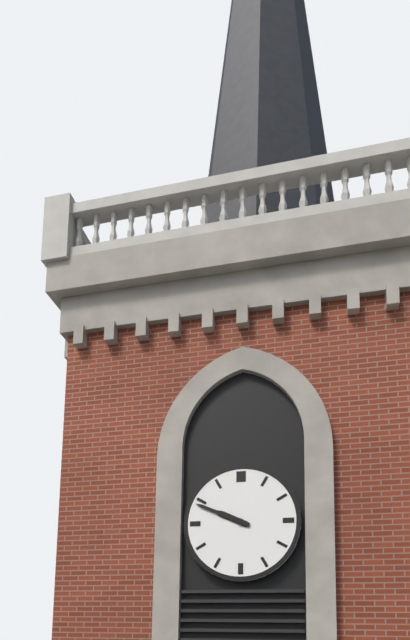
**9:49**
